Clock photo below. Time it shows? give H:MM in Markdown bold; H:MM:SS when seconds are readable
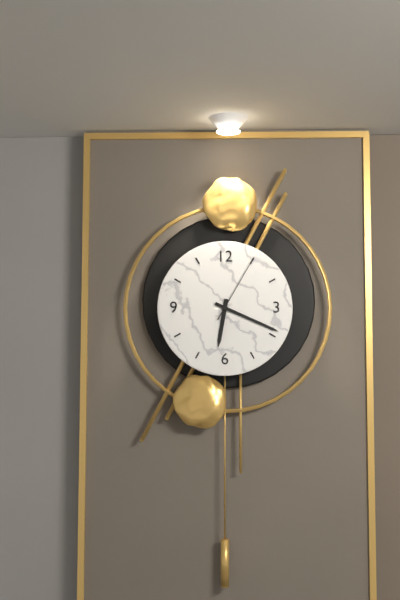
**6:19:05**
